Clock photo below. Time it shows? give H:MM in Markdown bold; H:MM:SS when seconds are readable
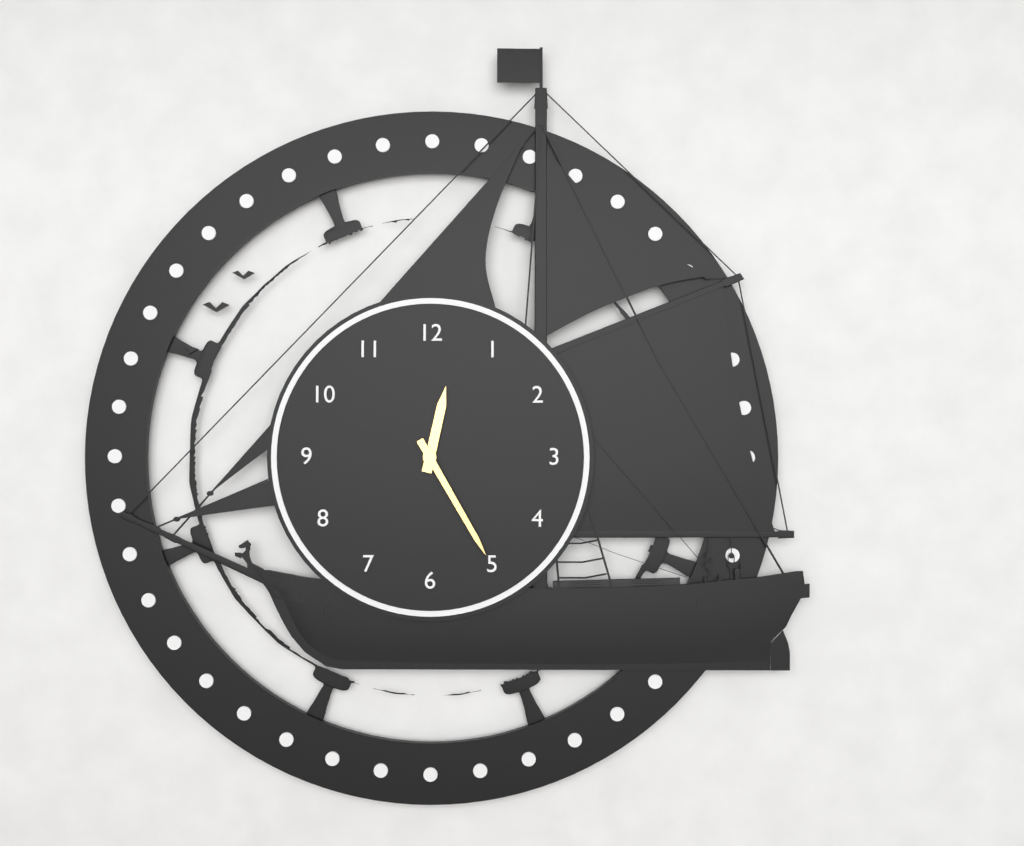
**12:25**
